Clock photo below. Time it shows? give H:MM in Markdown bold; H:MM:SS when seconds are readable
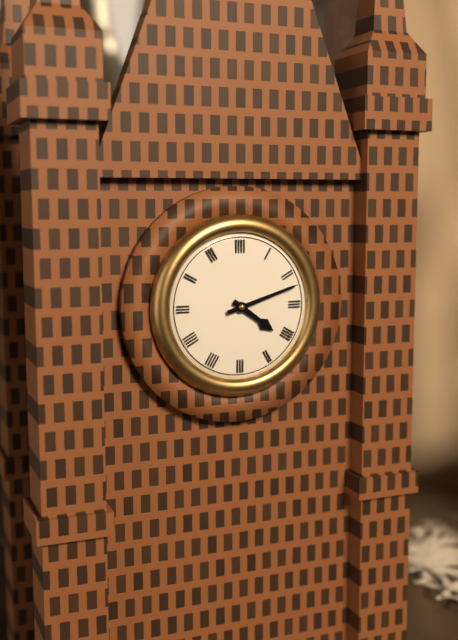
**4:12**
